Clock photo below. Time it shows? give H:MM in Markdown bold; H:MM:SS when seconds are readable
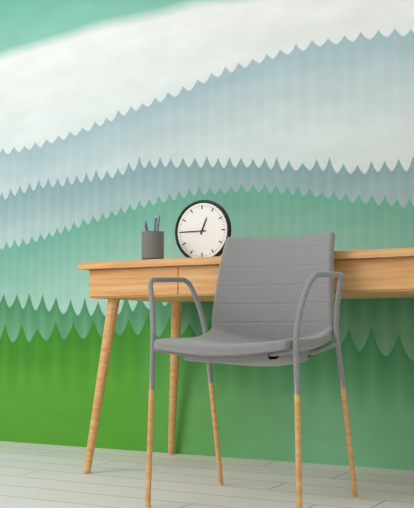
**12:45**
